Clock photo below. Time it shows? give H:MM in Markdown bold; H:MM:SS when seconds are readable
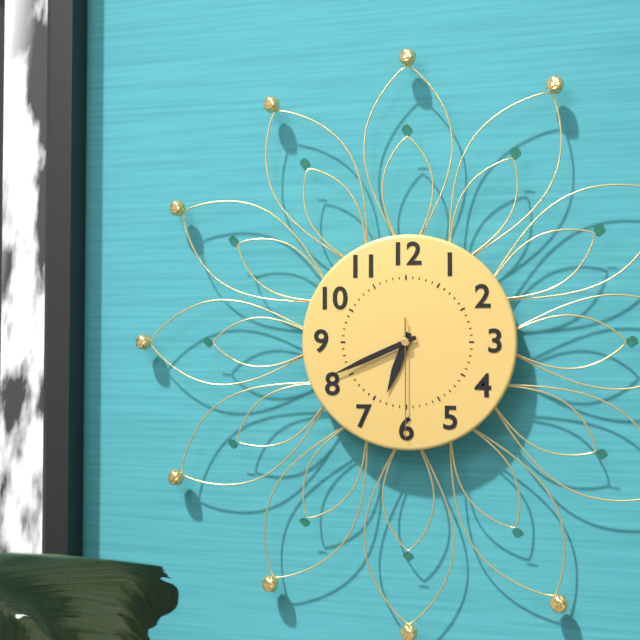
**6:41:30**
